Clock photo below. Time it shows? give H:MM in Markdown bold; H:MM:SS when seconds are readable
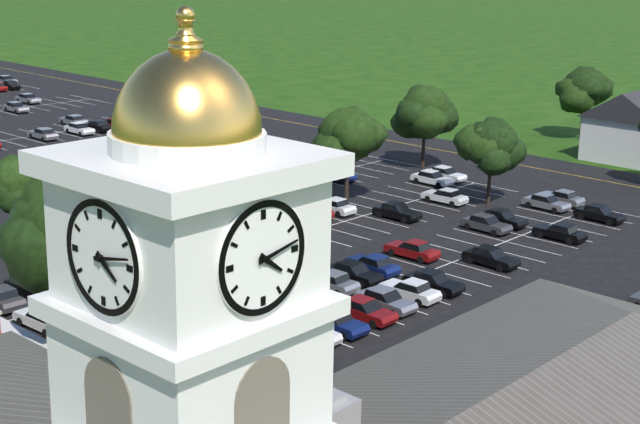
**4:13**
